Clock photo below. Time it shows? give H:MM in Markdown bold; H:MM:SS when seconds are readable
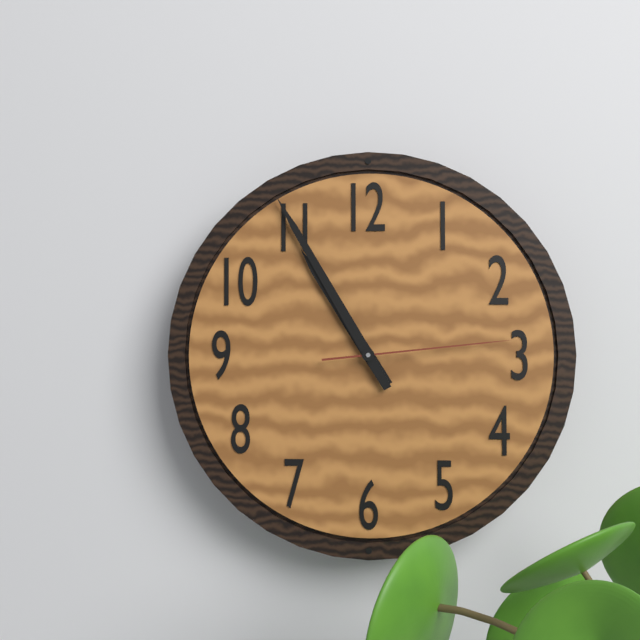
**10:55:14**
